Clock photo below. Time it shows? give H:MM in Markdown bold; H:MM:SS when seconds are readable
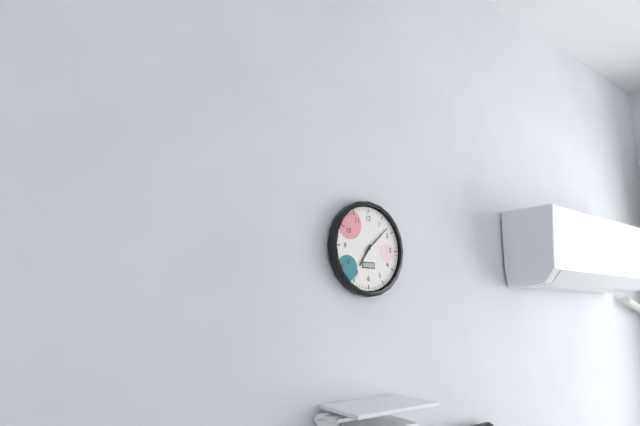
**7:08**
